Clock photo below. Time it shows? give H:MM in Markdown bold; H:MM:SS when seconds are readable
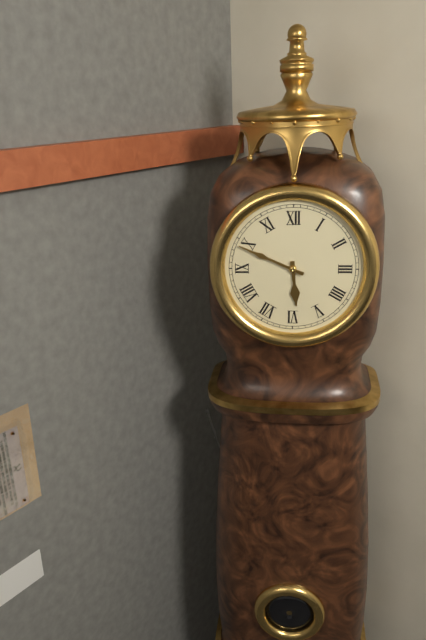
**5:49**
